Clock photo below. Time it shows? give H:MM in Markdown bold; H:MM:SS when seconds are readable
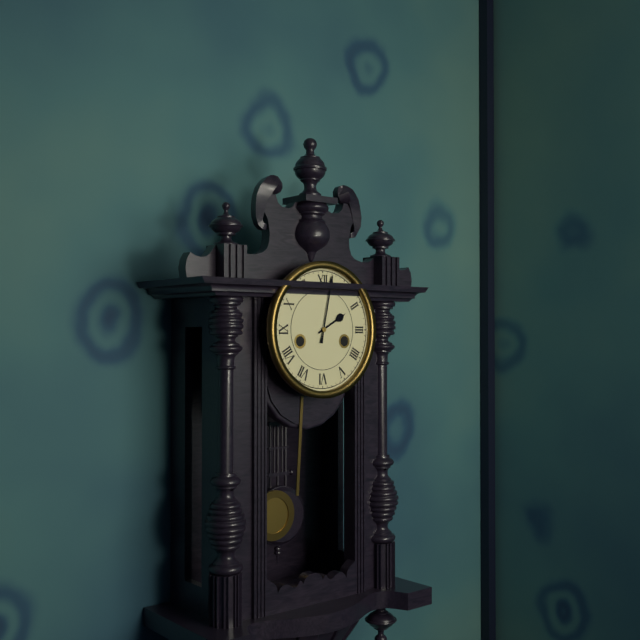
**2:02**
